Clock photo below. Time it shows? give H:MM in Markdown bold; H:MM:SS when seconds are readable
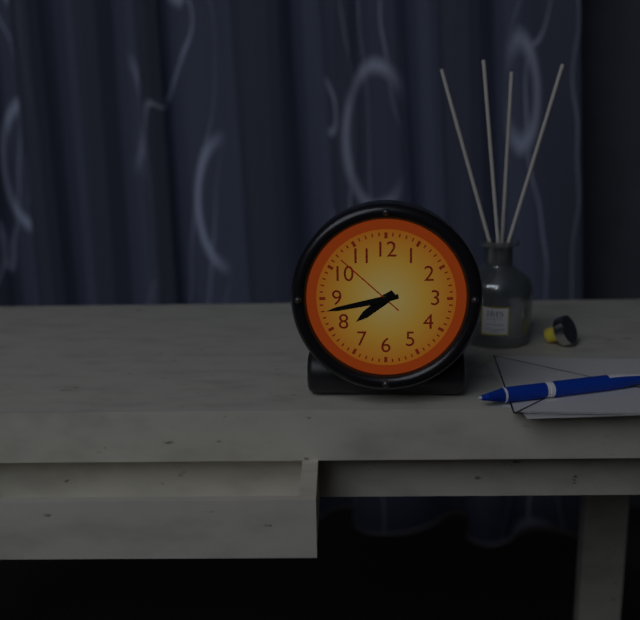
**7:43:52**
